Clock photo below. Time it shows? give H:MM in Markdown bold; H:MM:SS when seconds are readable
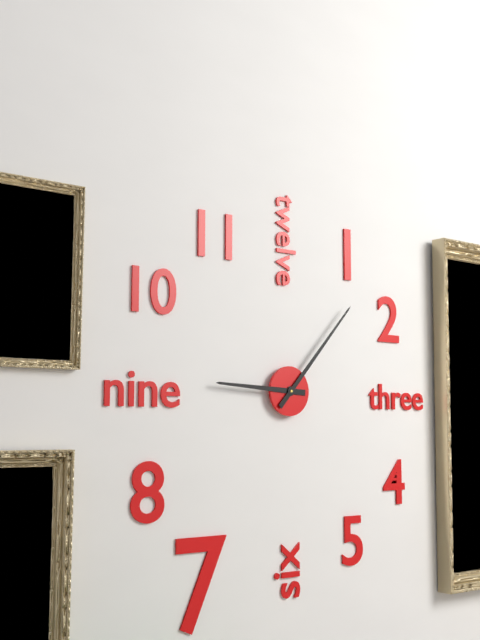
**9:07**
